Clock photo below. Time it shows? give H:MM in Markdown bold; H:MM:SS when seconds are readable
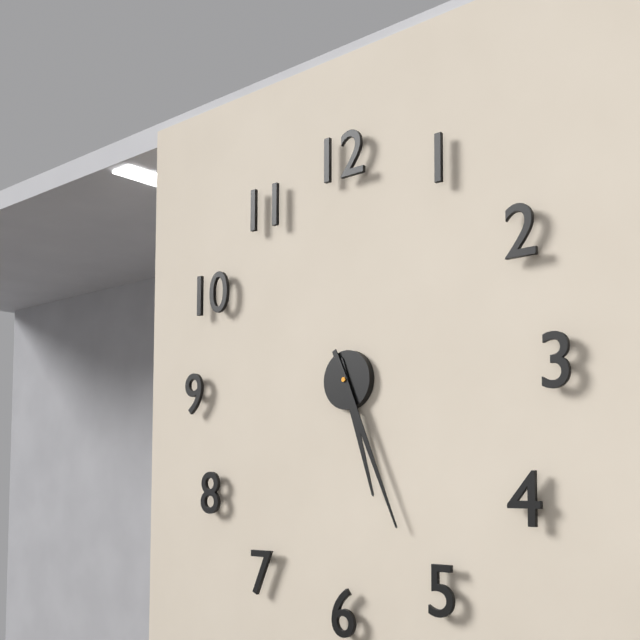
**5:26**
